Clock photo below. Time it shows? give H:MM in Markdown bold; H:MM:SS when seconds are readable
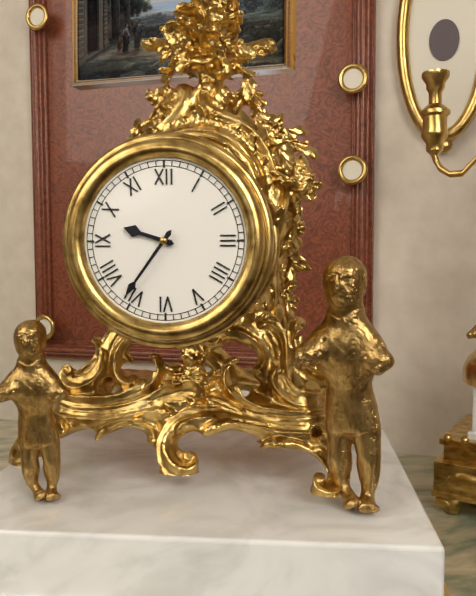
**9:36**
